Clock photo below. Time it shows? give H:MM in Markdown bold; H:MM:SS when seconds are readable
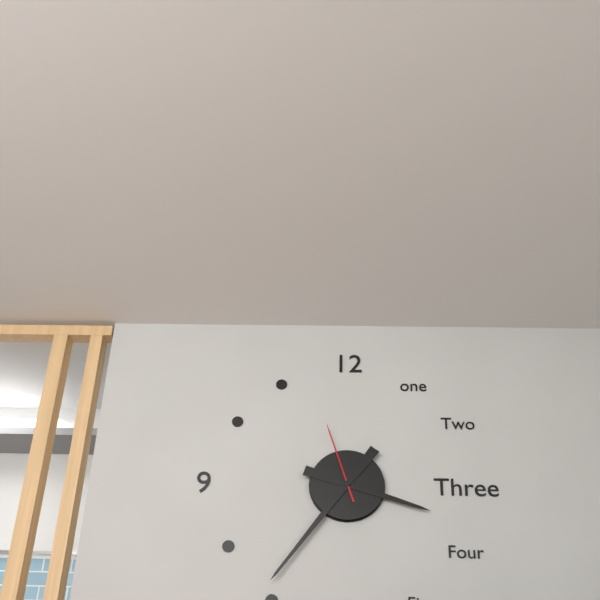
**3:36:57**
